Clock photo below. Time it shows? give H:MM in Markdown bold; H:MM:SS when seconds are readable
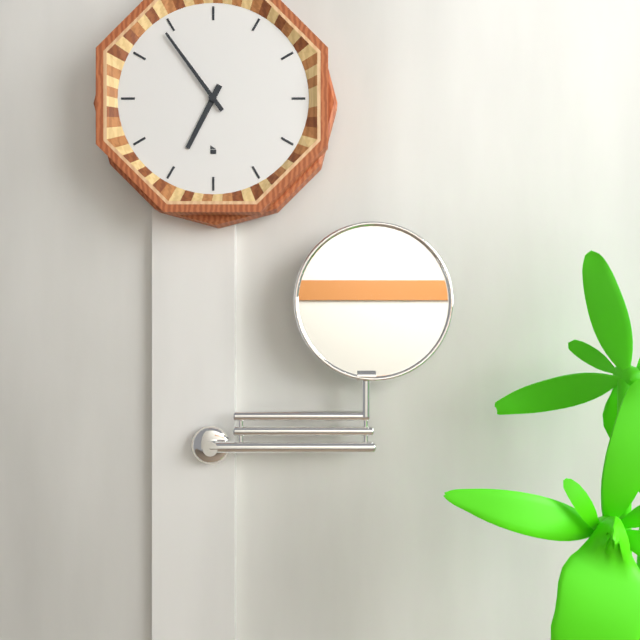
**6:54**
